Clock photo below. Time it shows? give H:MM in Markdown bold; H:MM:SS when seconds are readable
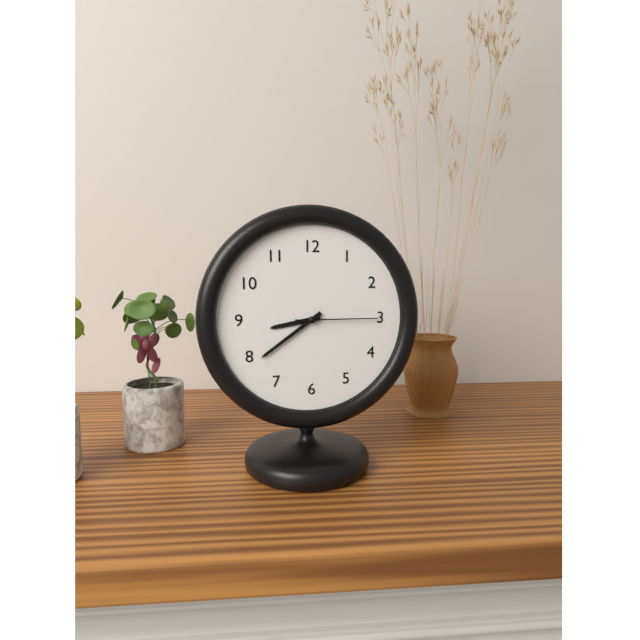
**8:39:15**
